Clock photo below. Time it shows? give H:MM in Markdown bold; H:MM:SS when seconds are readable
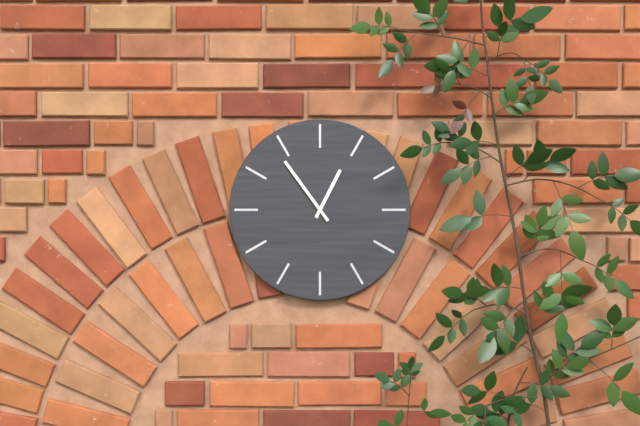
**12:54**
